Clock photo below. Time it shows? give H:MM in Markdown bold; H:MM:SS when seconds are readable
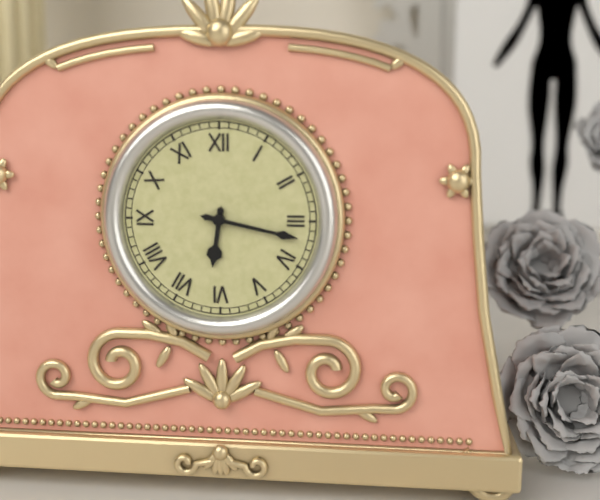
**6:17**
